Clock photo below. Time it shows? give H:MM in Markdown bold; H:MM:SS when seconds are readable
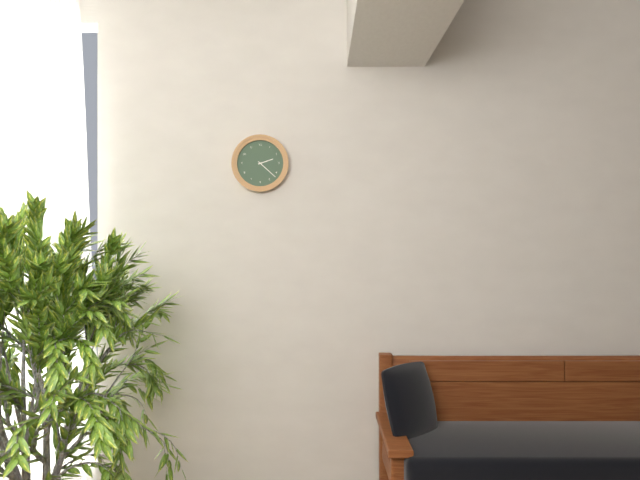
**2:22**
